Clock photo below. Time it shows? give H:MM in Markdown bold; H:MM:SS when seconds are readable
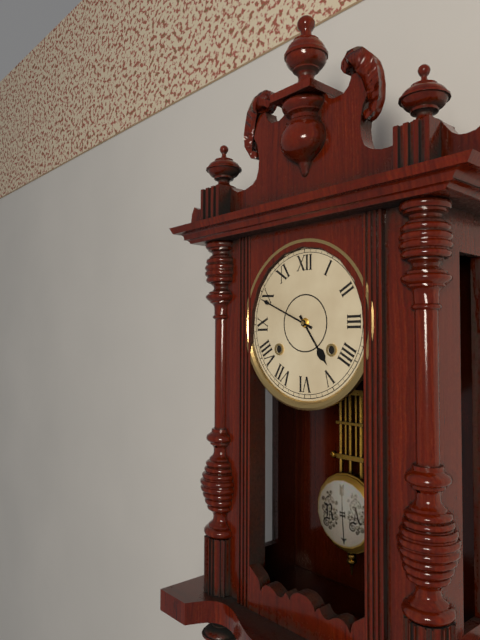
**4:49**
